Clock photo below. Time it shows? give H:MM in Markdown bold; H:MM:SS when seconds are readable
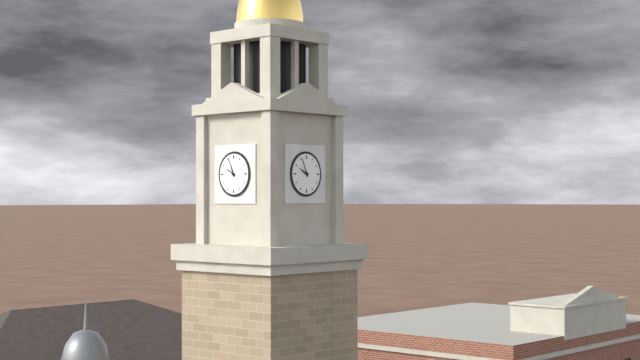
**9:56**
